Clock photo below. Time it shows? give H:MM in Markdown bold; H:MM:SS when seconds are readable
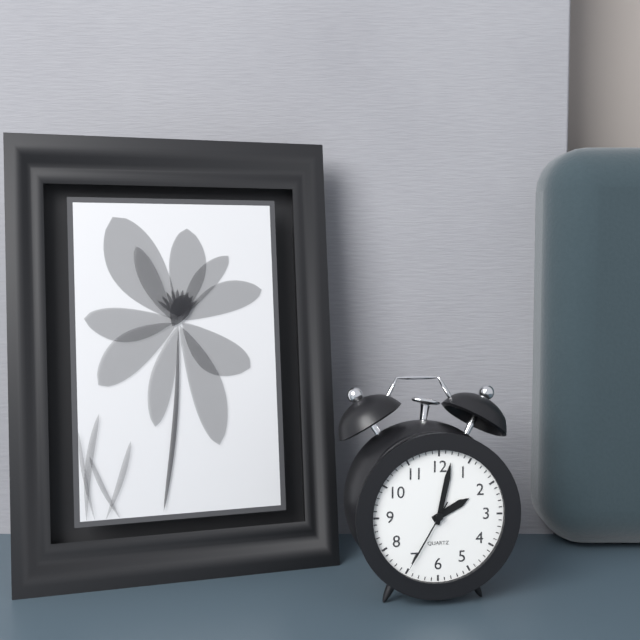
**2:02:35**
